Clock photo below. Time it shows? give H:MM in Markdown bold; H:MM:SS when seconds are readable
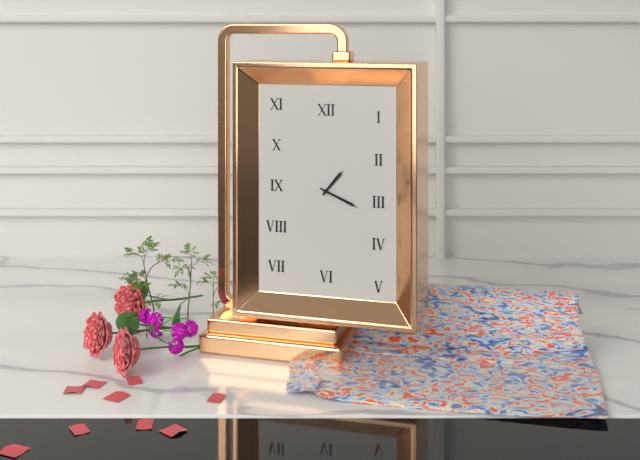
**1:19**
